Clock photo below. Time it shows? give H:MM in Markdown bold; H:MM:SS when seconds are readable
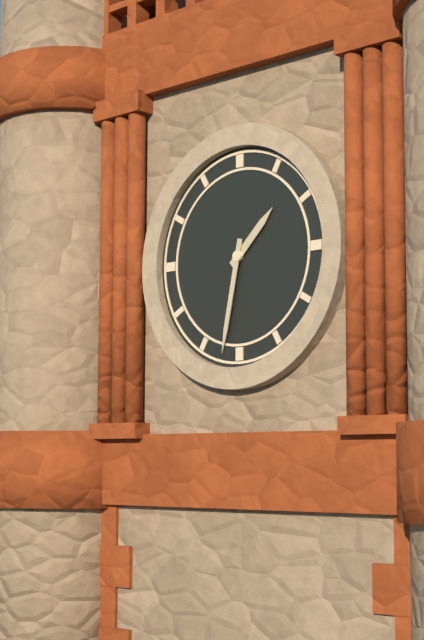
**1:32**
